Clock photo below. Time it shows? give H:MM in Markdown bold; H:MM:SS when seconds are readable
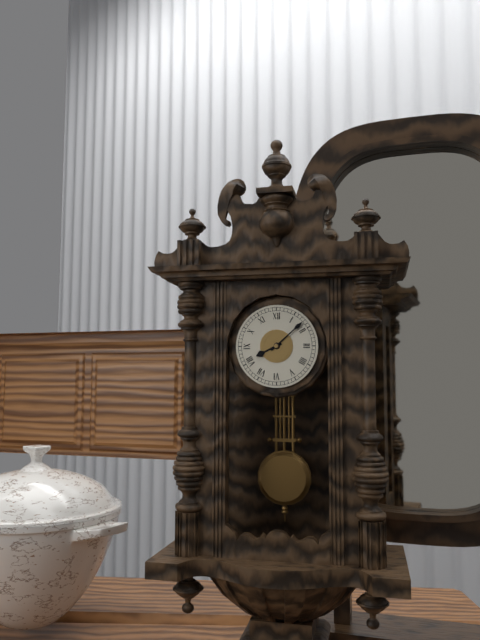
**8:08**
